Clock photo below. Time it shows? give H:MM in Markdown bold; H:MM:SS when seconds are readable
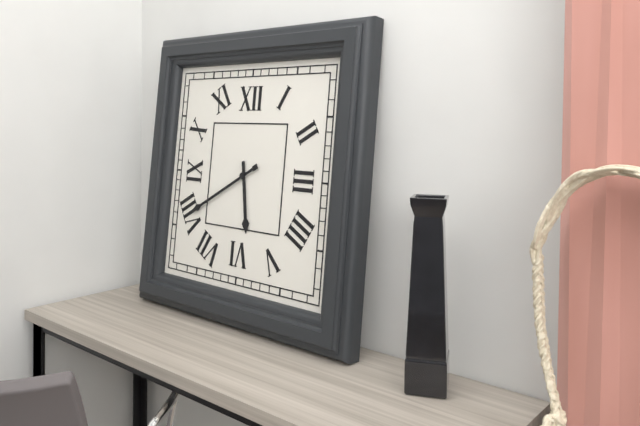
**5:40**
